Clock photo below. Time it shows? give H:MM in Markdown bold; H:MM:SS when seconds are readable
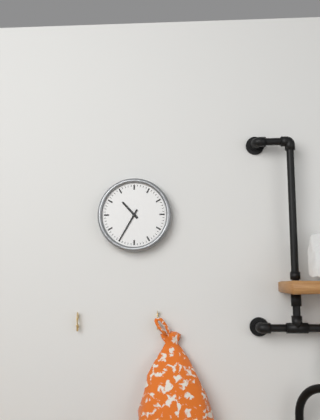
**10:35**
